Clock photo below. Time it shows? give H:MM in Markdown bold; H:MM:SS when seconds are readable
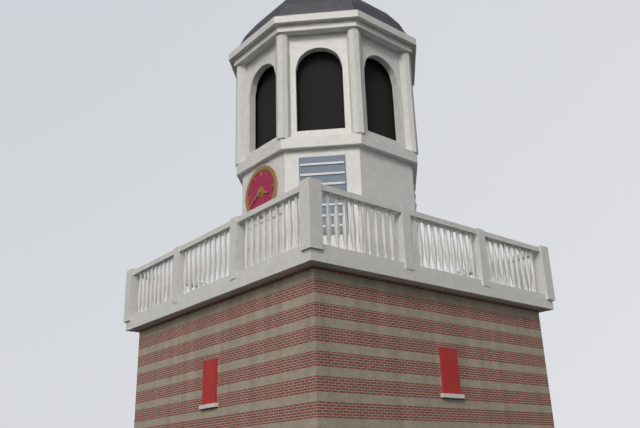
**3:40**
